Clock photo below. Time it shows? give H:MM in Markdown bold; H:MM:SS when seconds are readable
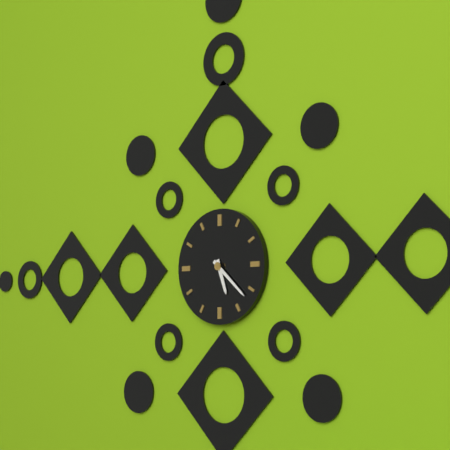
**5:22**
